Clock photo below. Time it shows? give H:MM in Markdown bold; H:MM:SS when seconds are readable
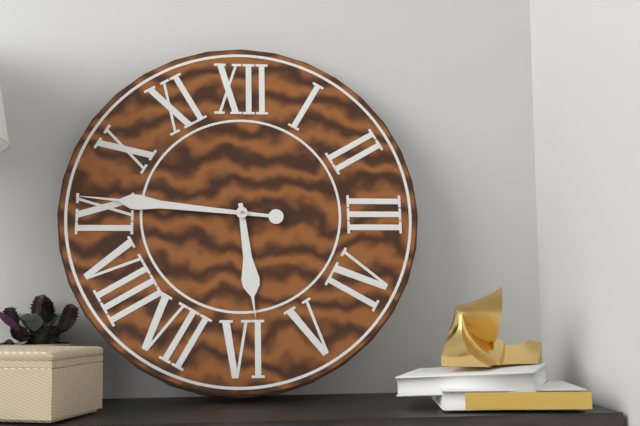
**5:46**
